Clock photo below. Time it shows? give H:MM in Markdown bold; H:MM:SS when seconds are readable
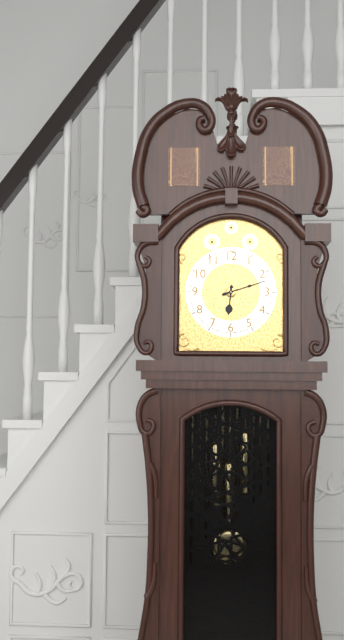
**6:12**
